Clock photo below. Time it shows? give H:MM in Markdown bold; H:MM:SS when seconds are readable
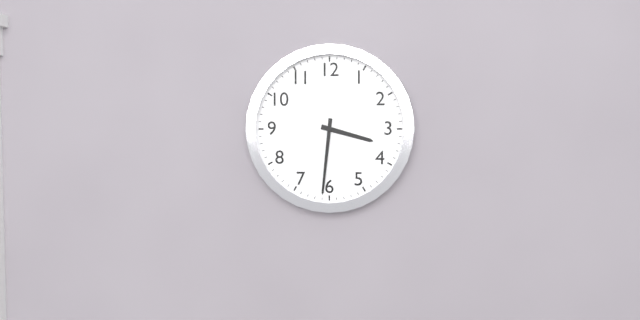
**3:31**
